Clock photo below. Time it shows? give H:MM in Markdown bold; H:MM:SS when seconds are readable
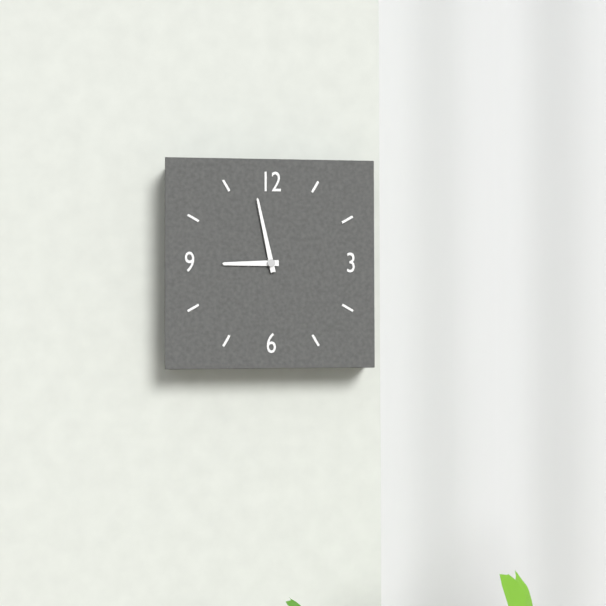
**8:58**
